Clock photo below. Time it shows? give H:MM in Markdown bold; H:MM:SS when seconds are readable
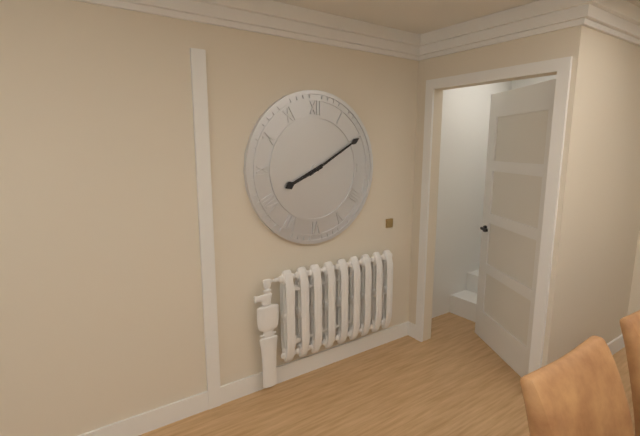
**8:10**
